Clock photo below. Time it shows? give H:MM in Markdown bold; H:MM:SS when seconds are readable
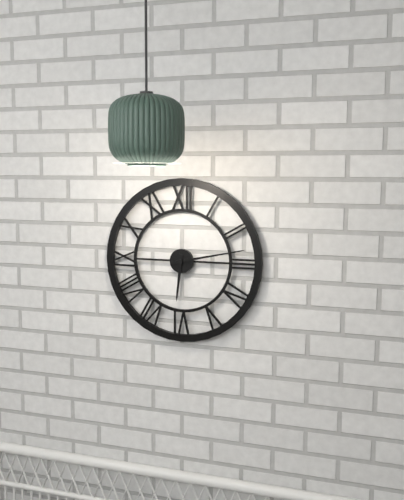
**6:13**
